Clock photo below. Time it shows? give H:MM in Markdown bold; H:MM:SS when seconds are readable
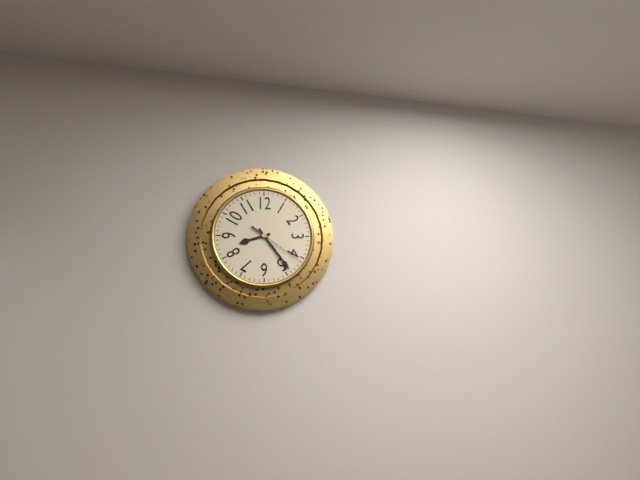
**8:24:21**
